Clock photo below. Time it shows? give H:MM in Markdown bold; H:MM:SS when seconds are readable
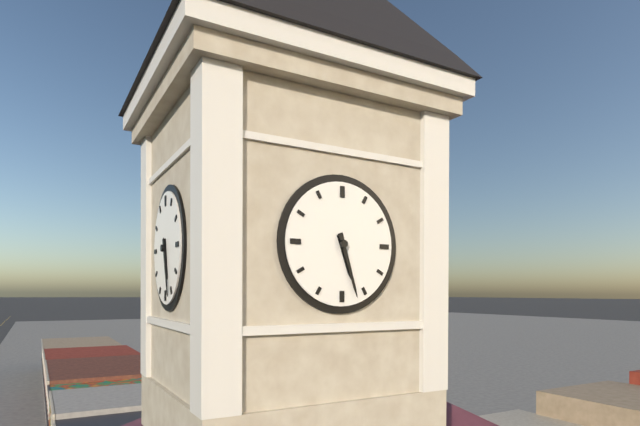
**5:27**
